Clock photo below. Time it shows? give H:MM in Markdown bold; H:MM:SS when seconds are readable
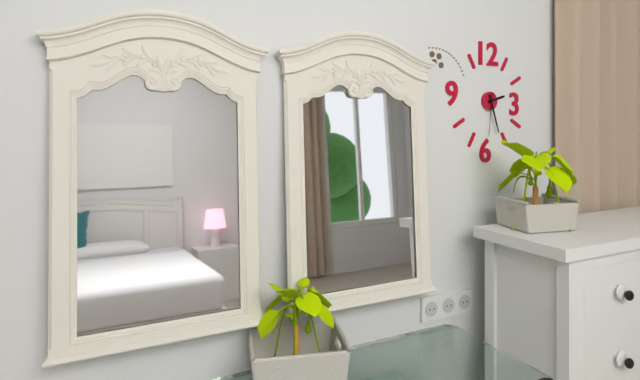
**2:27**
